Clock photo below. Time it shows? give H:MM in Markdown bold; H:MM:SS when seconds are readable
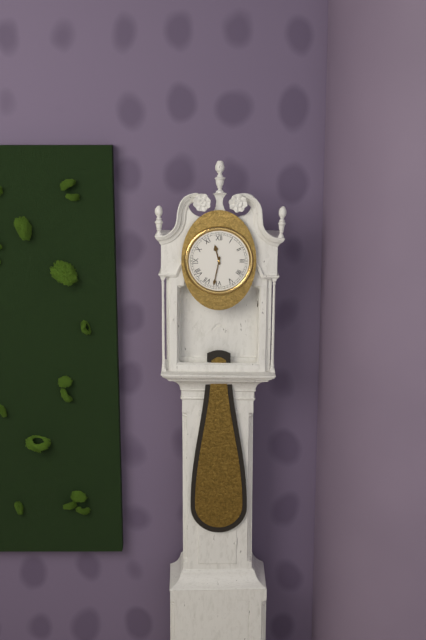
**11:32**
